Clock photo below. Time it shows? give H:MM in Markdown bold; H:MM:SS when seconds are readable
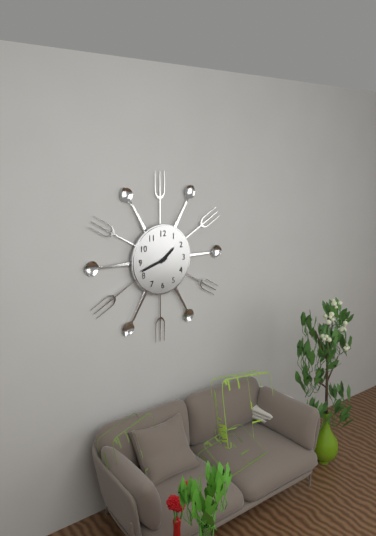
**1:42**
